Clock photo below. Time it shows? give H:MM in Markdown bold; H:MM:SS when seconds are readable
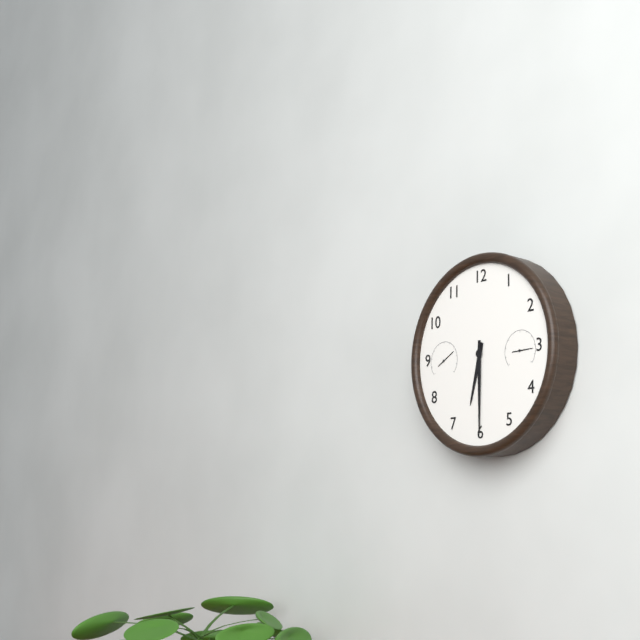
**6:30**
